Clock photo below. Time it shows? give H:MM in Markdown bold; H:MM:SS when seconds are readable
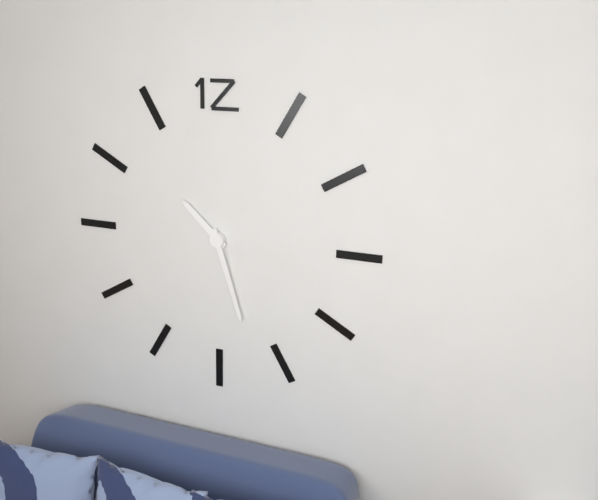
**10:27**
